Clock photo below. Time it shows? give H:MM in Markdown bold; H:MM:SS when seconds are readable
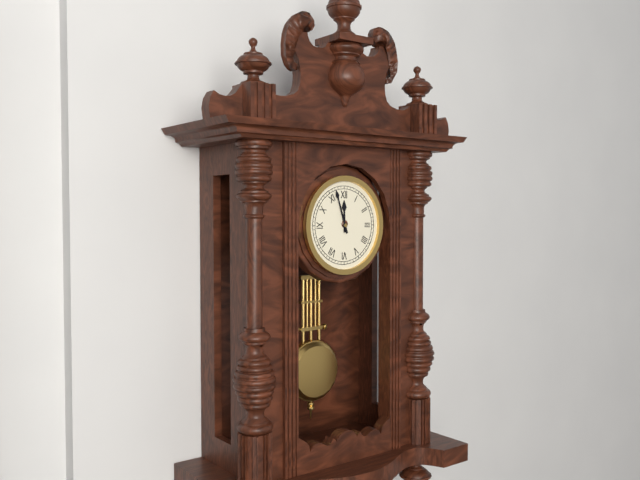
**11:57**
